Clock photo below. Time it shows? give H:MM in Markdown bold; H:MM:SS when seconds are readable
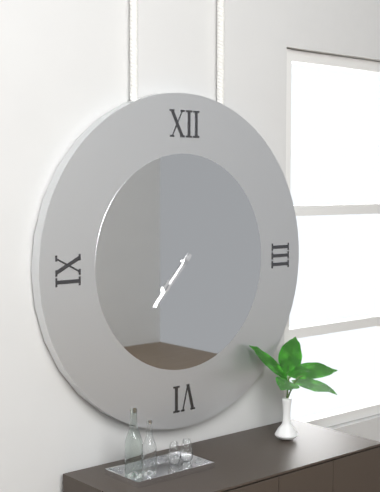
**7:37**
